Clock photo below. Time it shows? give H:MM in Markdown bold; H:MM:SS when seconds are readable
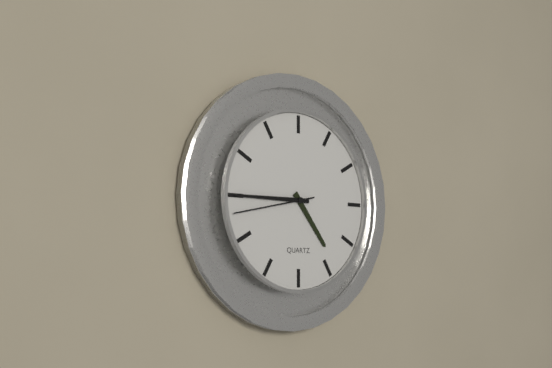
**4:45:43**
